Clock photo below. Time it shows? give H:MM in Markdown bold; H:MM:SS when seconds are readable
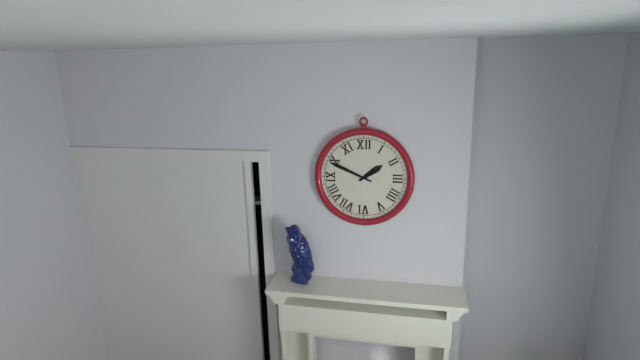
**1:49**
